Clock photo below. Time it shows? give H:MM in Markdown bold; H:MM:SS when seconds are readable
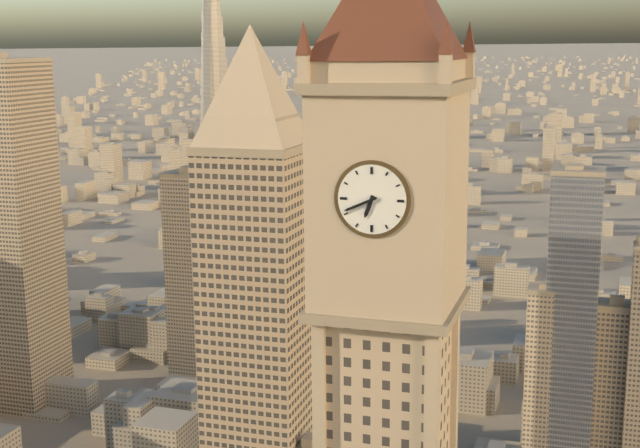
**6:41**
